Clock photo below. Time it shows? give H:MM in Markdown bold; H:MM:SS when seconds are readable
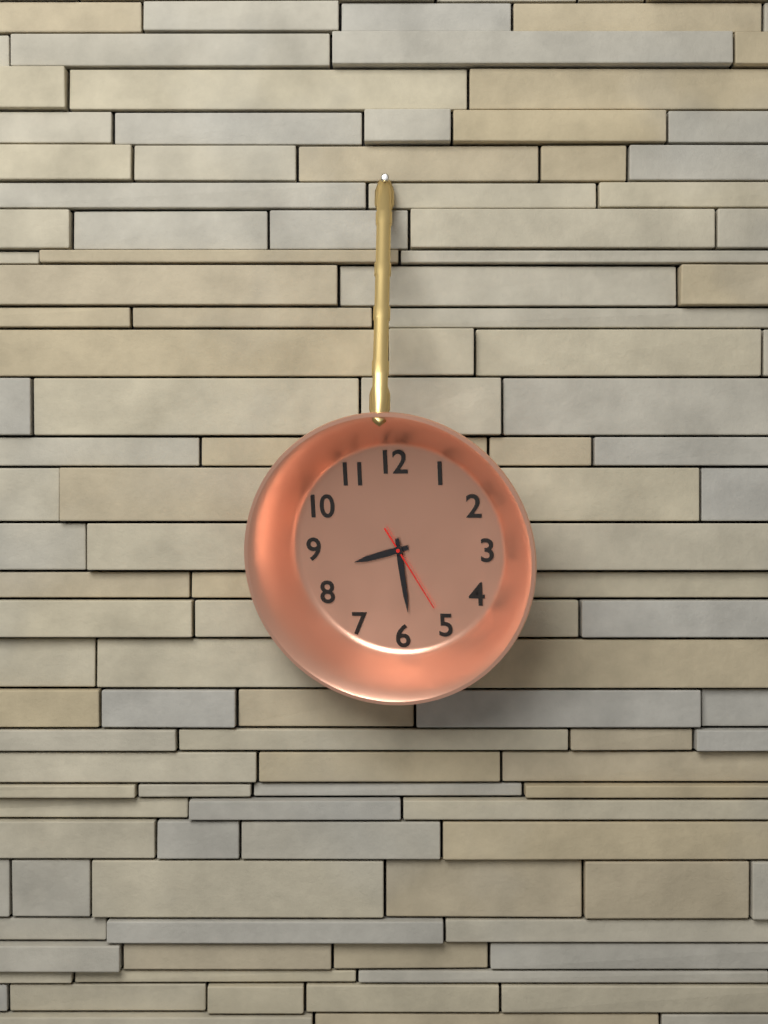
**8:29:25**
